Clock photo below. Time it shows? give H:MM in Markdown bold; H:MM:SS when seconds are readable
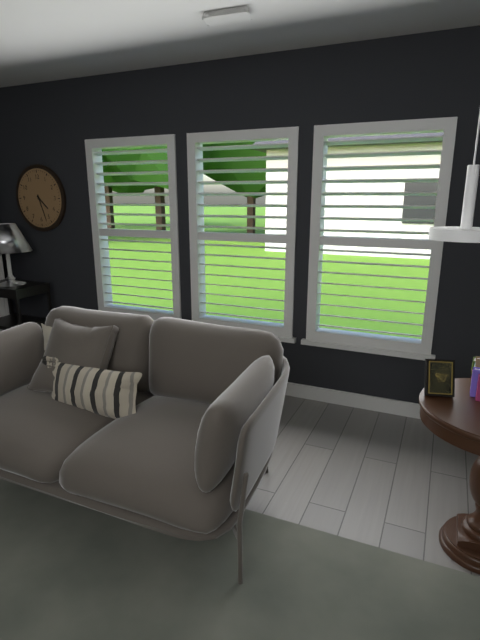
**4:27**
